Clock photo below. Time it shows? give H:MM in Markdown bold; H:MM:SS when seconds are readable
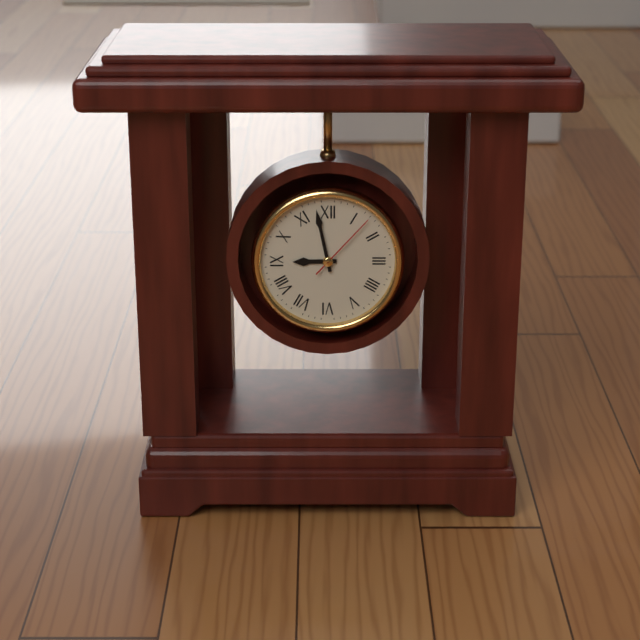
**8:58:07**
